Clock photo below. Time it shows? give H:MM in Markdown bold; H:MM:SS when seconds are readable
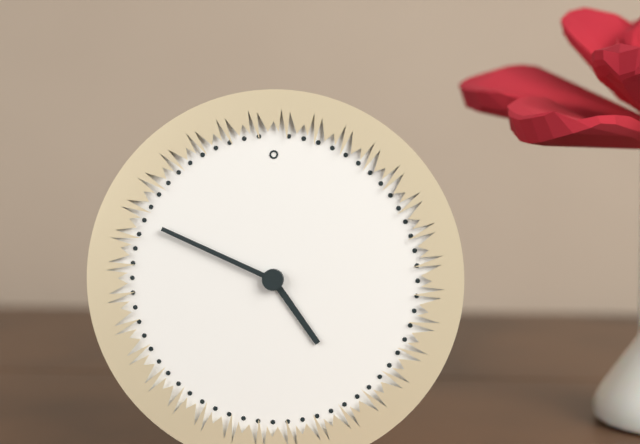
**4:49**
